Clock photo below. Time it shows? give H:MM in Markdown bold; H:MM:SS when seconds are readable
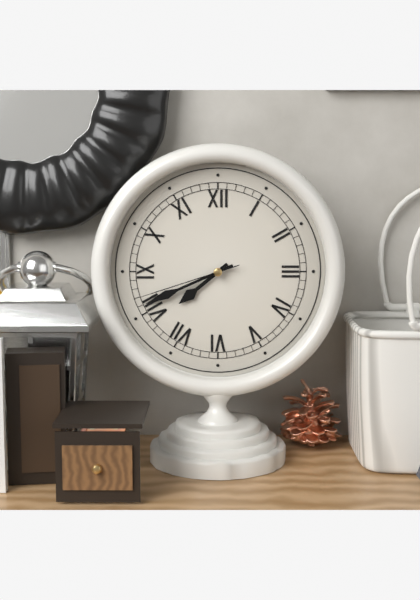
**7:41:42**
